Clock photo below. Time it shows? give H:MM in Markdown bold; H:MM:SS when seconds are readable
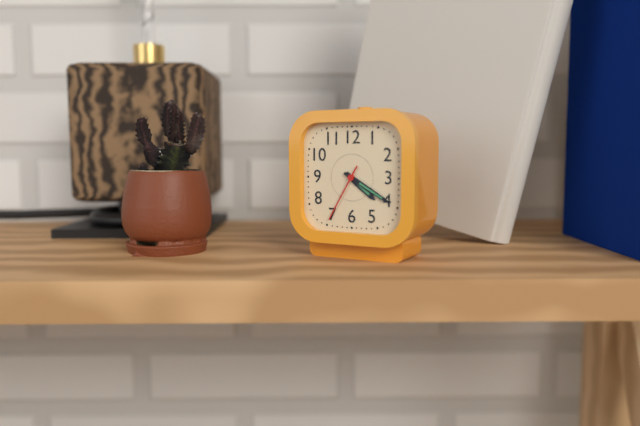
**4:20:35**
